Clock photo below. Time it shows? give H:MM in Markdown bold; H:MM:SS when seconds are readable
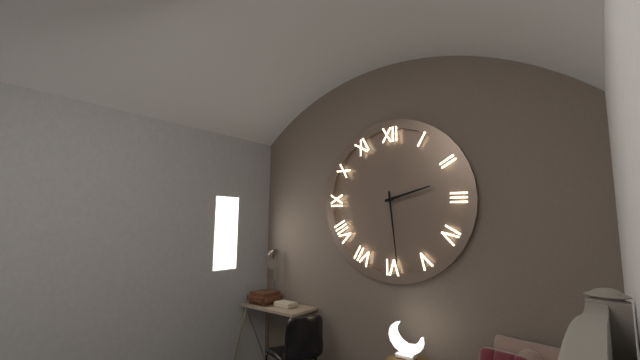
**2:29**
